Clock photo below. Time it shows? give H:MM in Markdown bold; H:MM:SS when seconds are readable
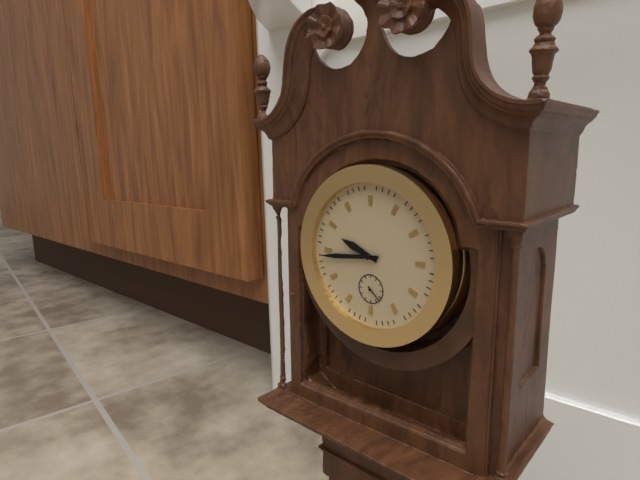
**9:44**
